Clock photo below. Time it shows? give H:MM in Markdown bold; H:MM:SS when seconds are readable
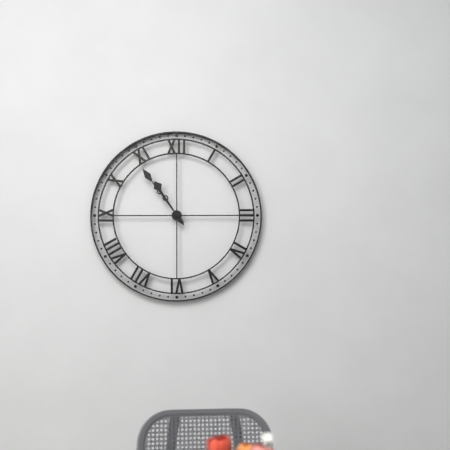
**10:54**
